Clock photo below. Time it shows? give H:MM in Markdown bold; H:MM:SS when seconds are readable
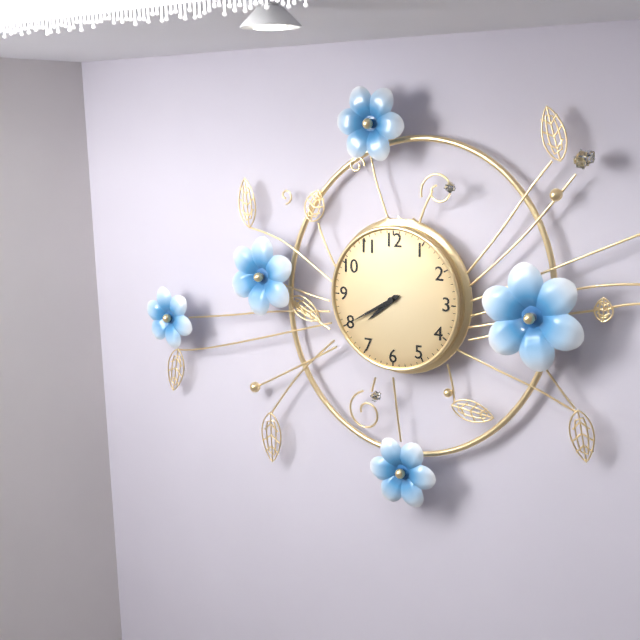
**7:40**
